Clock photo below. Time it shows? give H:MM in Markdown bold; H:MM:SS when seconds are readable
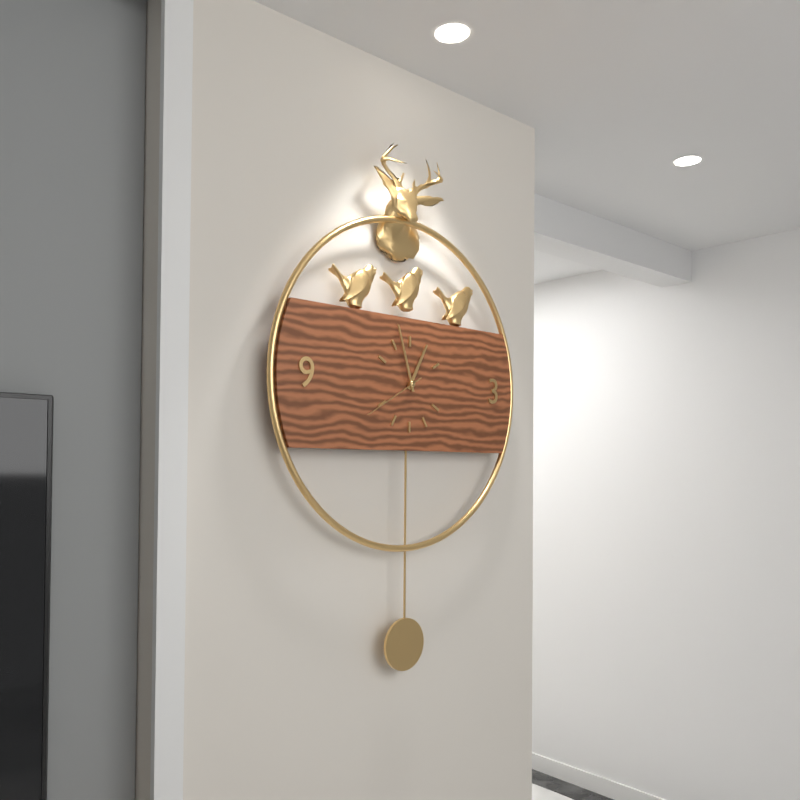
**12:57:40**
